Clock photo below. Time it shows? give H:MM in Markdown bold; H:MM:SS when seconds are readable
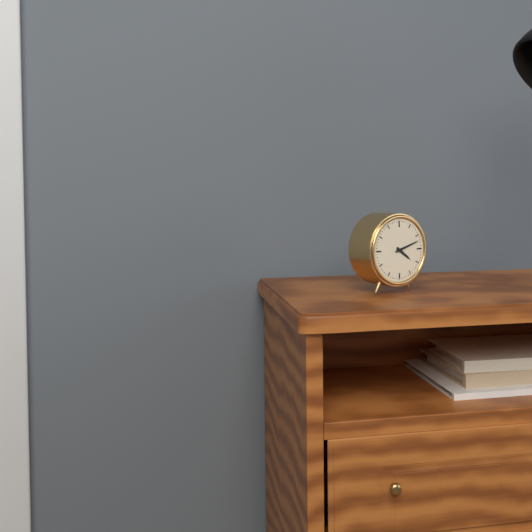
**4:12**
